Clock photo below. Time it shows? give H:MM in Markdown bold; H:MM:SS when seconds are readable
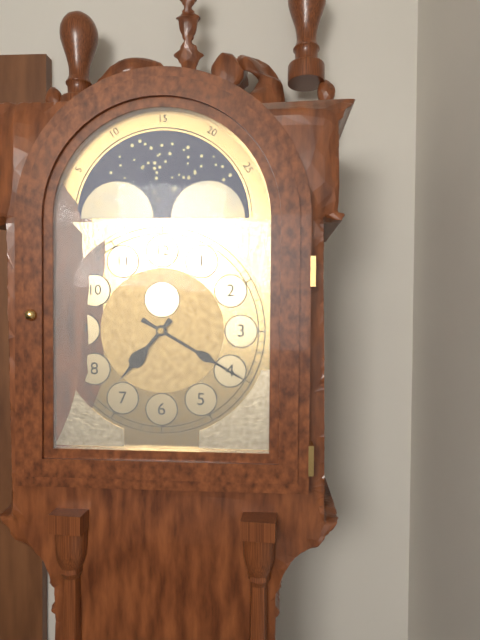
**7:20**
